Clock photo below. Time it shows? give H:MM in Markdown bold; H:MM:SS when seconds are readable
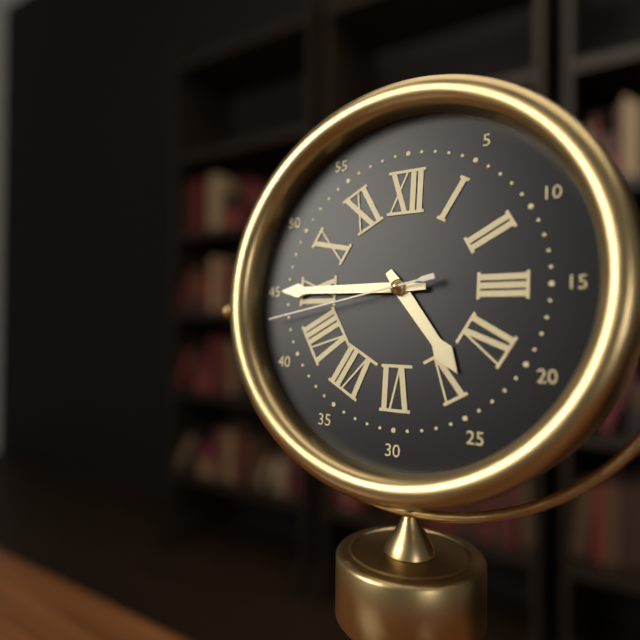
**4:45:43**
